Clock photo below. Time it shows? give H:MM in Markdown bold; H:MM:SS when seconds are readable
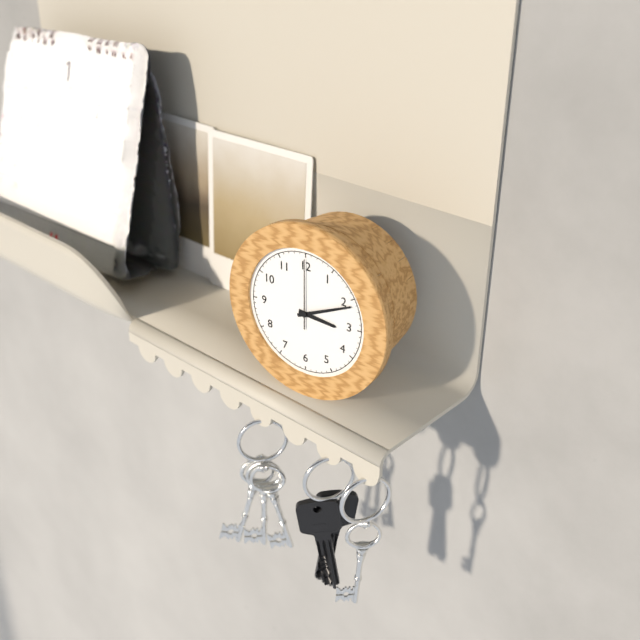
**3:11:00**
